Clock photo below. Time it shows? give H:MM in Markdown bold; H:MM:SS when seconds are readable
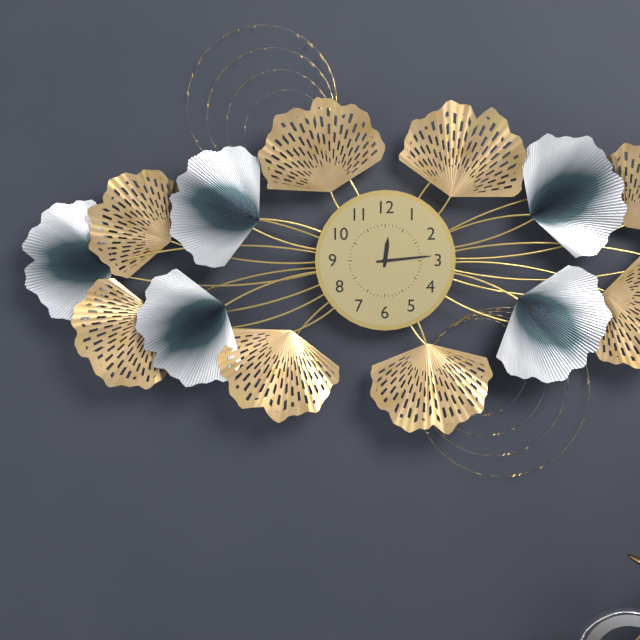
**12:14**
